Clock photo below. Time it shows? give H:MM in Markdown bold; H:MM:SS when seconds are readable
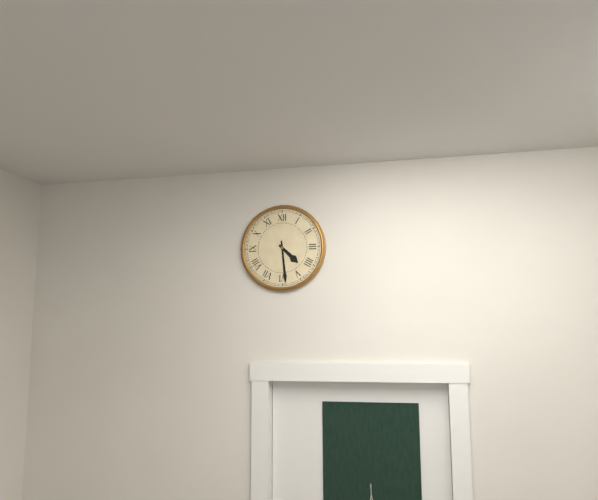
**4:29**
